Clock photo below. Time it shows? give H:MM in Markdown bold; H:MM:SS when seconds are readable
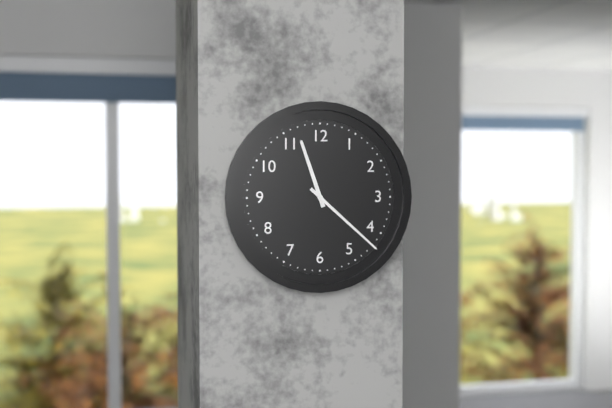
**11:22**
